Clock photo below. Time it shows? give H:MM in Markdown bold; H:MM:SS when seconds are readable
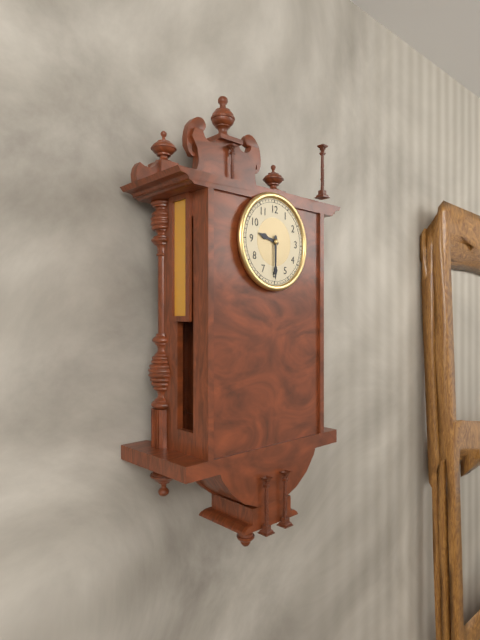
**9:30**
